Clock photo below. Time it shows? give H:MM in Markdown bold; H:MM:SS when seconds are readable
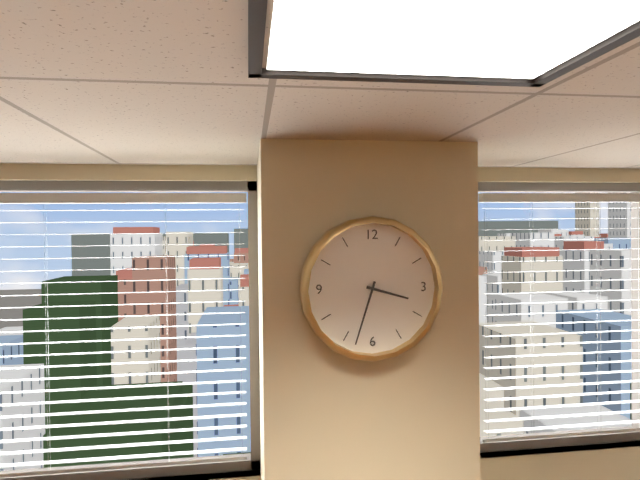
**3:33**
